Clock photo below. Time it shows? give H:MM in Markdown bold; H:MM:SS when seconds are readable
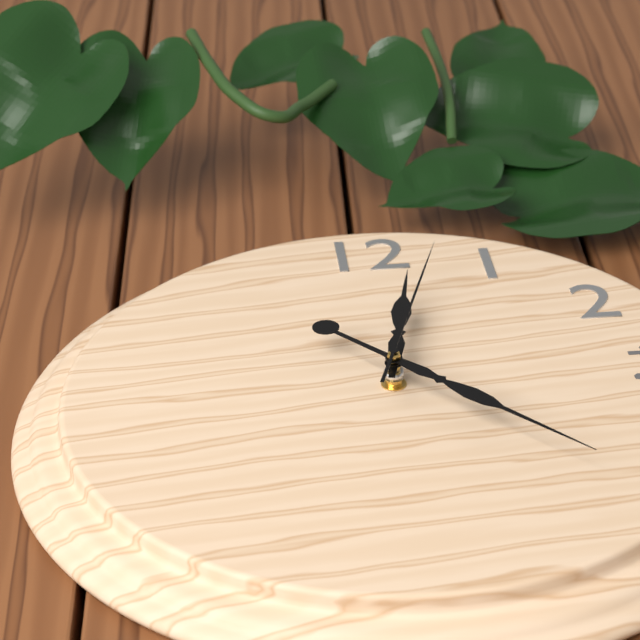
**12:23:03**
